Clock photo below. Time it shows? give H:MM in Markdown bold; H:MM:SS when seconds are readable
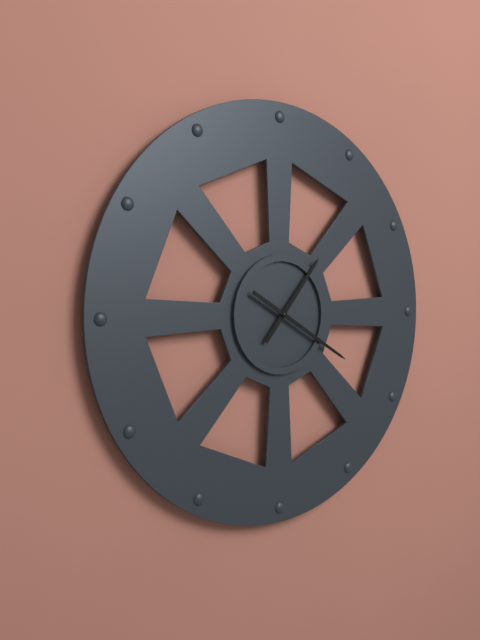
**1:20**
